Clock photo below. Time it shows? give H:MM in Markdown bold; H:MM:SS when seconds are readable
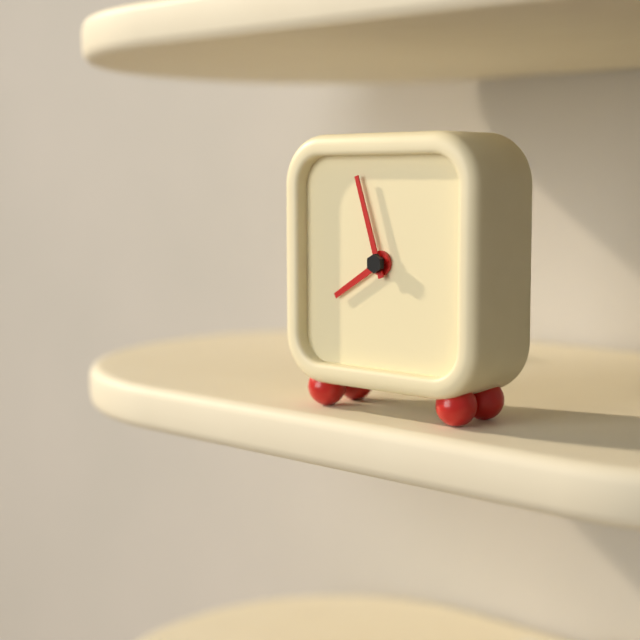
**7:57**
